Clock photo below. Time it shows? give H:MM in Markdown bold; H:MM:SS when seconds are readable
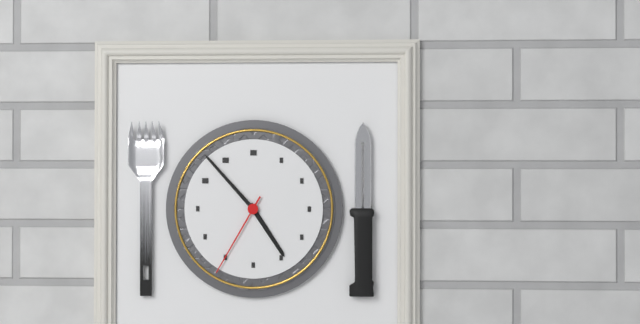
**4:53:35**
